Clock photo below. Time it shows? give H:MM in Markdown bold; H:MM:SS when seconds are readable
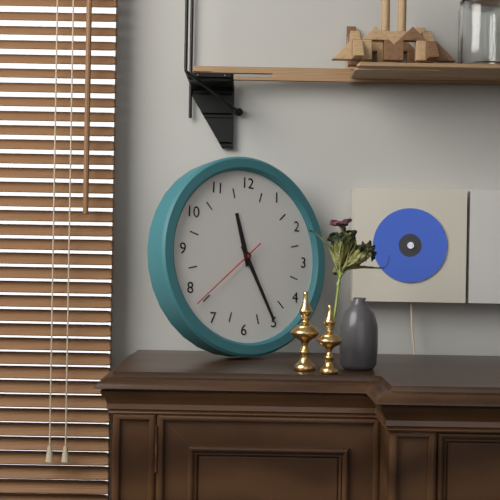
**11:25:38**
